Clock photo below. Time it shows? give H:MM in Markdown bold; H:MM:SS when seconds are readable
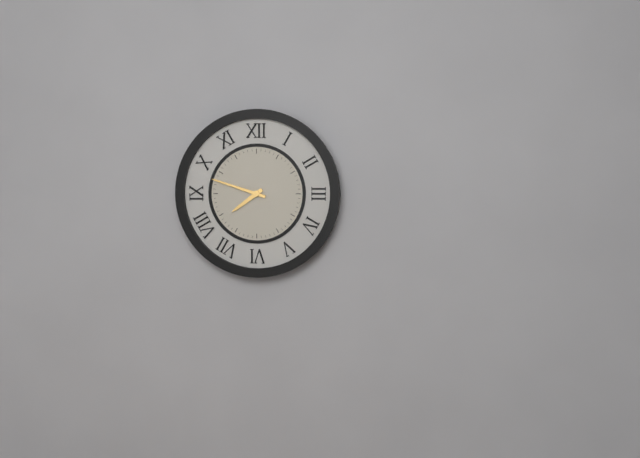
**7:48**
